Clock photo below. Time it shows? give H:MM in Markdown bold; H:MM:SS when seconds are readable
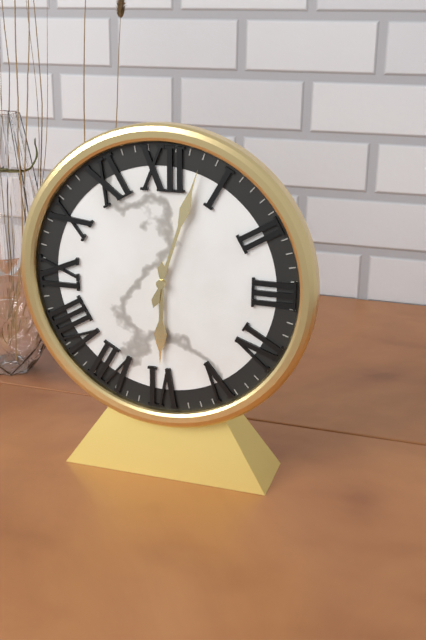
**6:03**
